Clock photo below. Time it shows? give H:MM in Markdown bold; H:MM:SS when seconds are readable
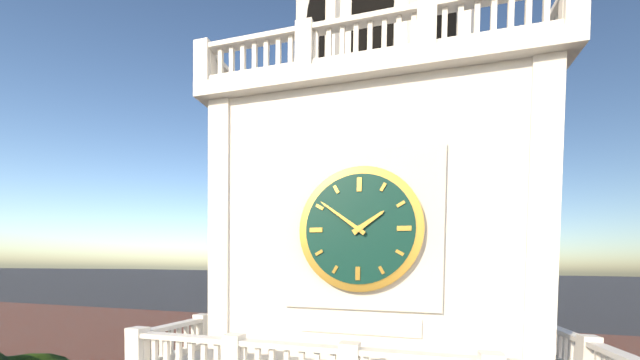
**1:51**
